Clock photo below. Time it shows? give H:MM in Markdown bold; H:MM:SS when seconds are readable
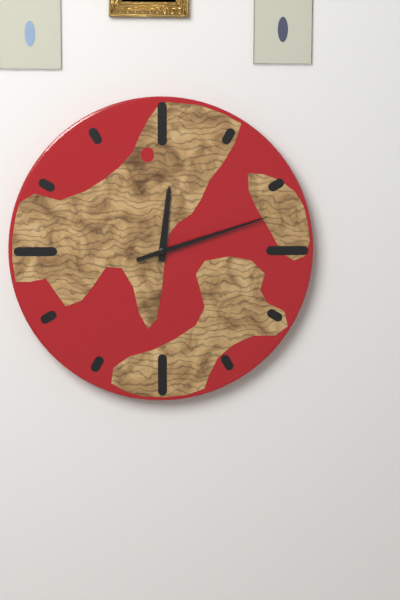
**12:12**
